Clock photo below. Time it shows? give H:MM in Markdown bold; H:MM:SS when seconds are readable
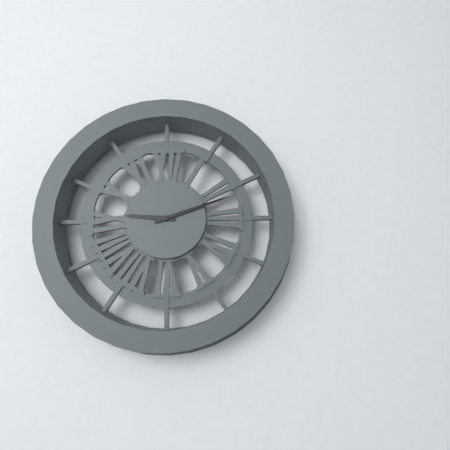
**9:12**
